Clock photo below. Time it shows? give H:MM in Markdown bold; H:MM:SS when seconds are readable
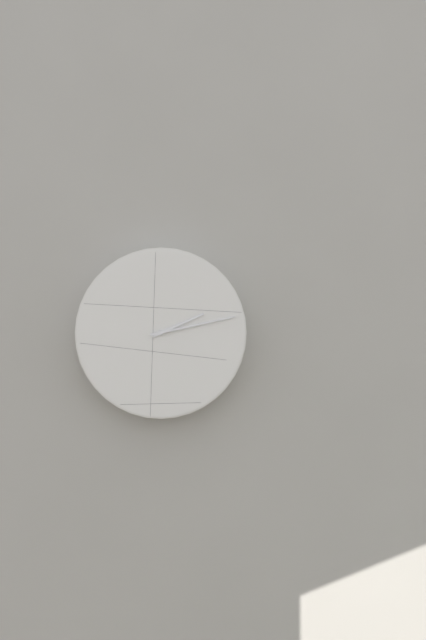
**2:13**
